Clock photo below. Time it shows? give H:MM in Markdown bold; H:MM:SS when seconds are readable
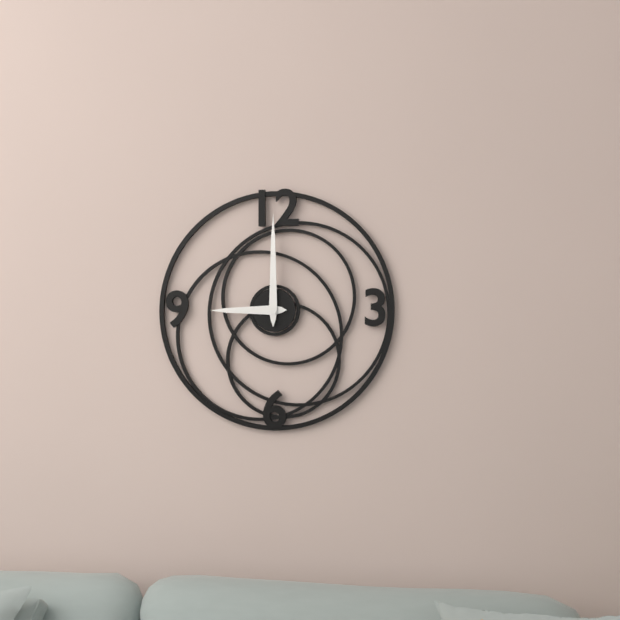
**9:00**
